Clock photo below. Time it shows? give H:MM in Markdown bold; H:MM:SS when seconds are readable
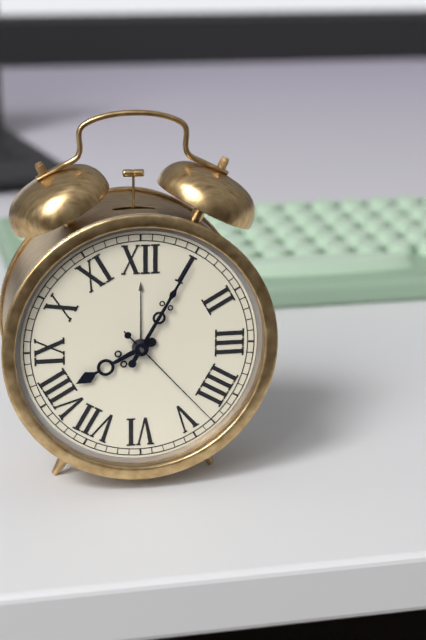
**8:05:23**
